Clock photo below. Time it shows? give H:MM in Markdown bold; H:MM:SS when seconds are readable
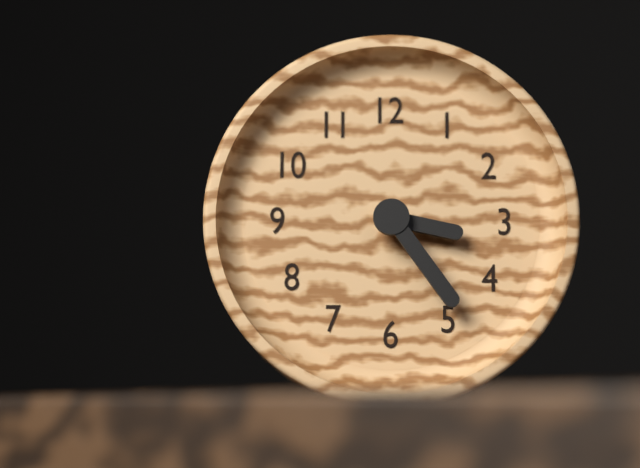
**3:24**
